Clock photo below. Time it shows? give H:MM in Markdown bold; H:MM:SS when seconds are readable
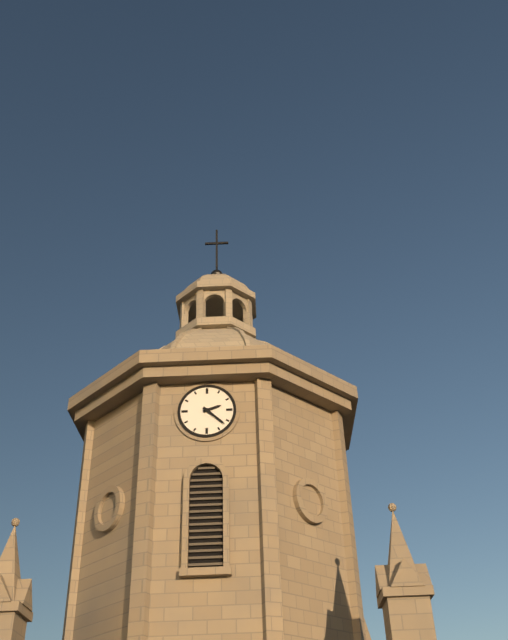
**2:22**
